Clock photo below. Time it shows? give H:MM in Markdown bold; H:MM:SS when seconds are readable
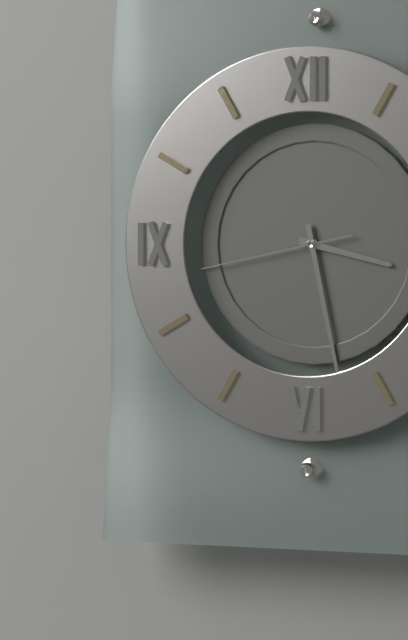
**3:28:43**
